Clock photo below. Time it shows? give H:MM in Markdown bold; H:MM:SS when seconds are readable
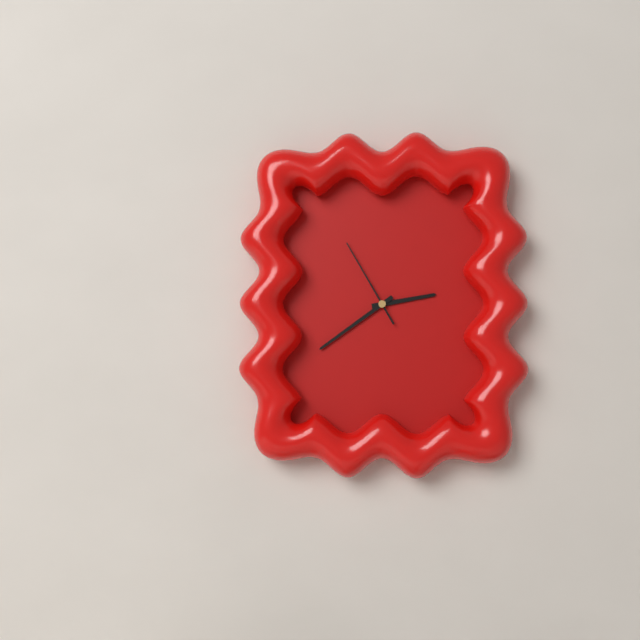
**2:39:55**
